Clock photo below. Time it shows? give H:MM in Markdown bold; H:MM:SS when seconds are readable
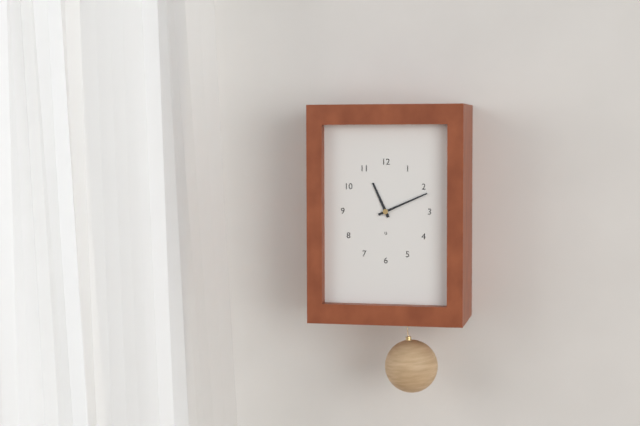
**11:11**
